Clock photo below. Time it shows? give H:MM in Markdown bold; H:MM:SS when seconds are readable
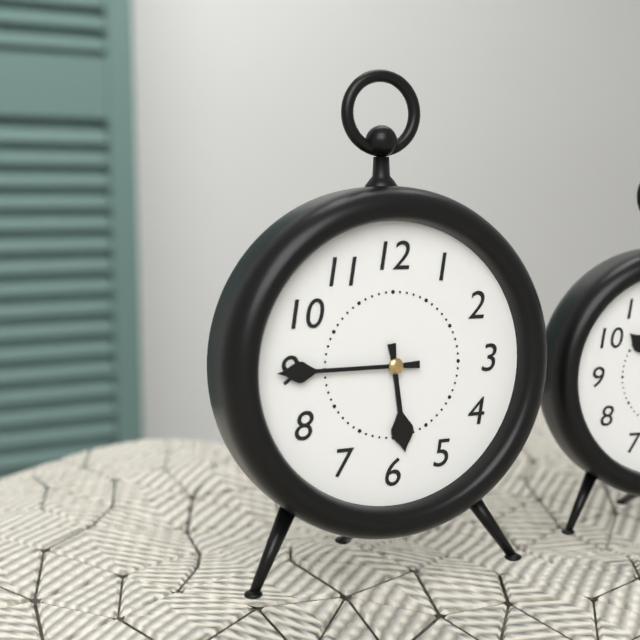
**5:45**
